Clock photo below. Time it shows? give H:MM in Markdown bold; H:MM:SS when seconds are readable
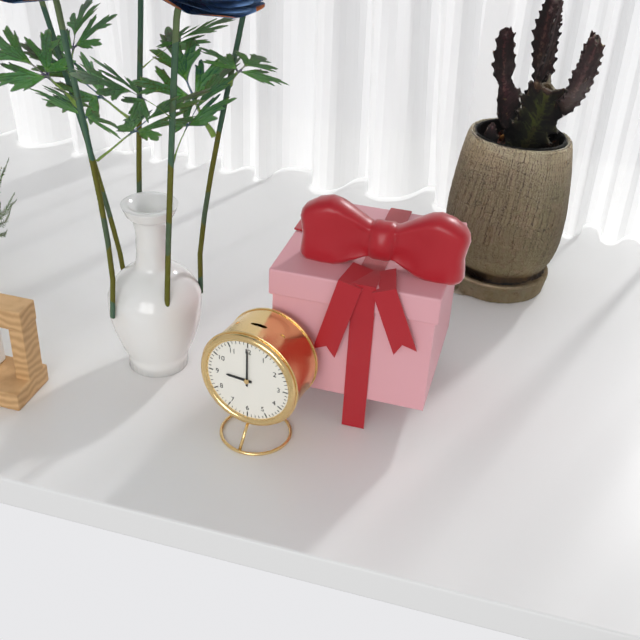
**9:00**
